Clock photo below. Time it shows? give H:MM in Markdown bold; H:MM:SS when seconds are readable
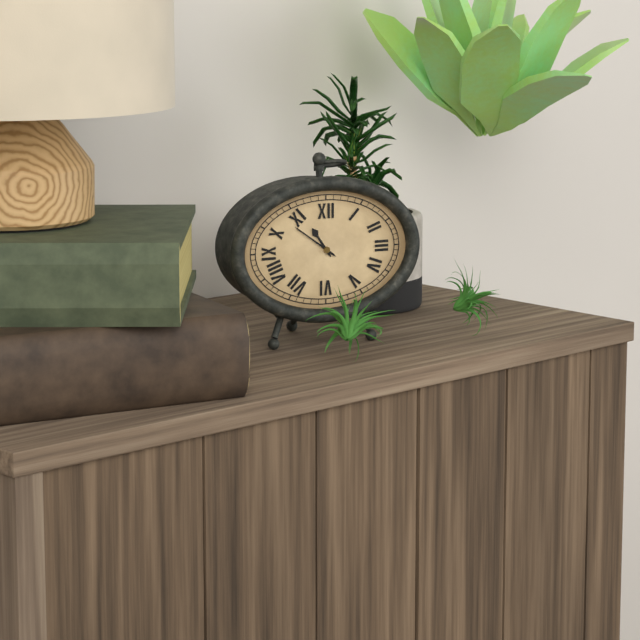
**10:51**
